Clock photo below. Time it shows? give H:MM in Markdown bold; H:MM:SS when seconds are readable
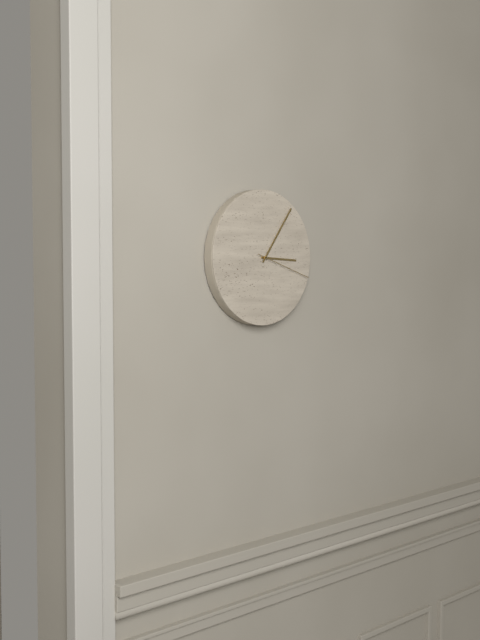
**3:06:18**
